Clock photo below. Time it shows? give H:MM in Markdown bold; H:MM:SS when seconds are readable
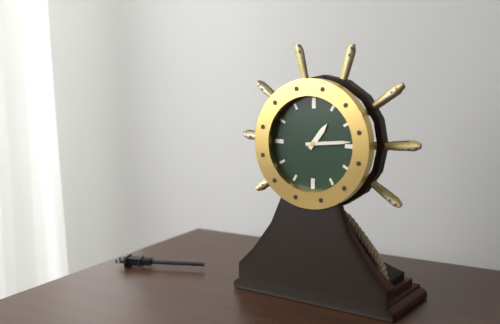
**1:14**
